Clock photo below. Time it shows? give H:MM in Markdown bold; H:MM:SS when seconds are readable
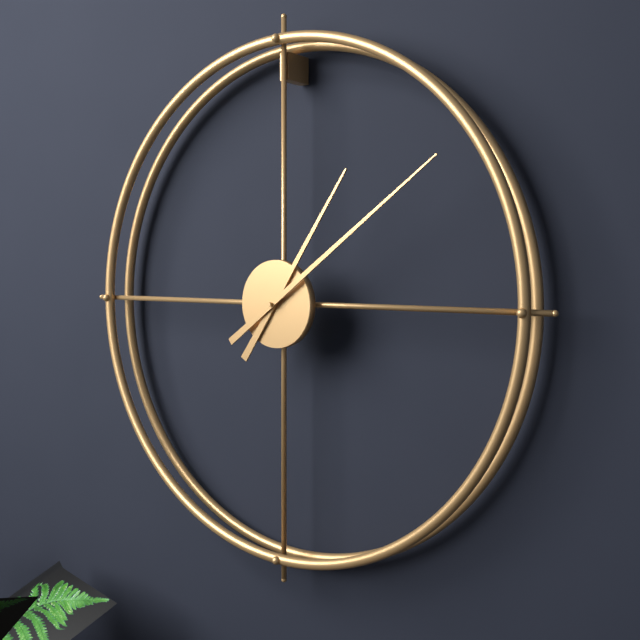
**1:09**
